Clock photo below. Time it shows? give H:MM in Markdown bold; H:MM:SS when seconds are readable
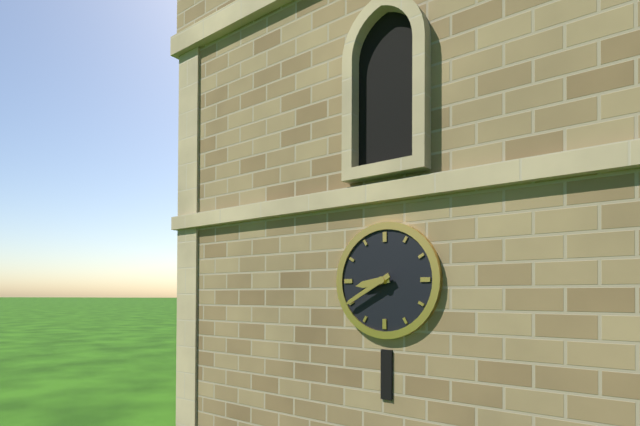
**8:40**
